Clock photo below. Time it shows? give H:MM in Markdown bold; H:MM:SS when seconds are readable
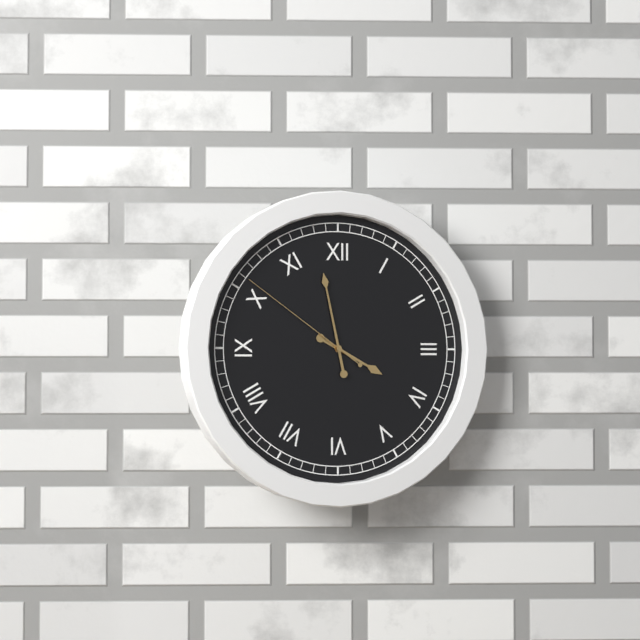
**3:58:51**
